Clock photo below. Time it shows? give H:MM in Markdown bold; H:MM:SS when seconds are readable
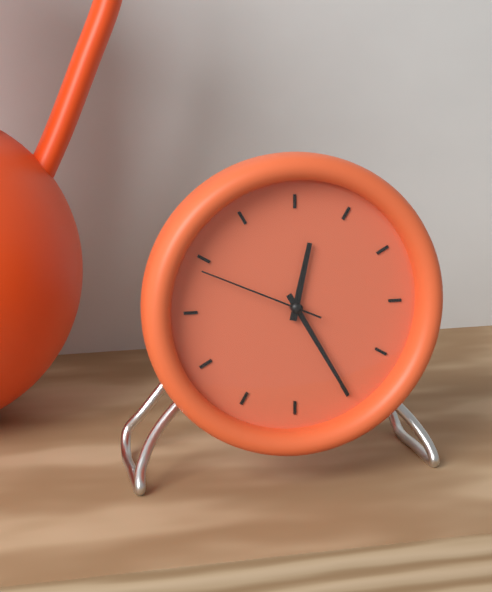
**12:25:49**
